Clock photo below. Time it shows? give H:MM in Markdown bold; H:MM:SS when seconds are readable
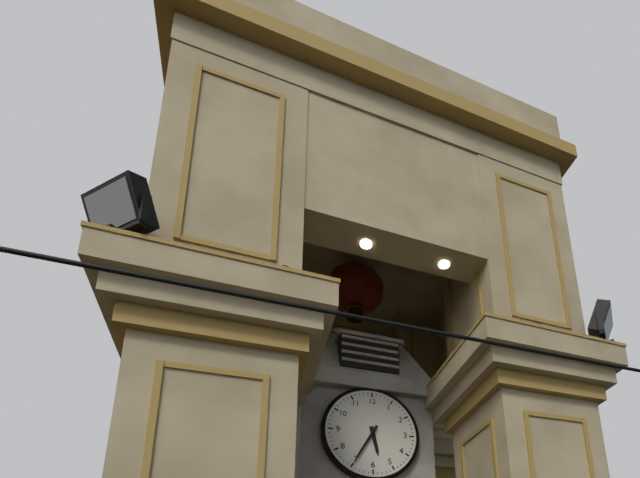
**5:35**
